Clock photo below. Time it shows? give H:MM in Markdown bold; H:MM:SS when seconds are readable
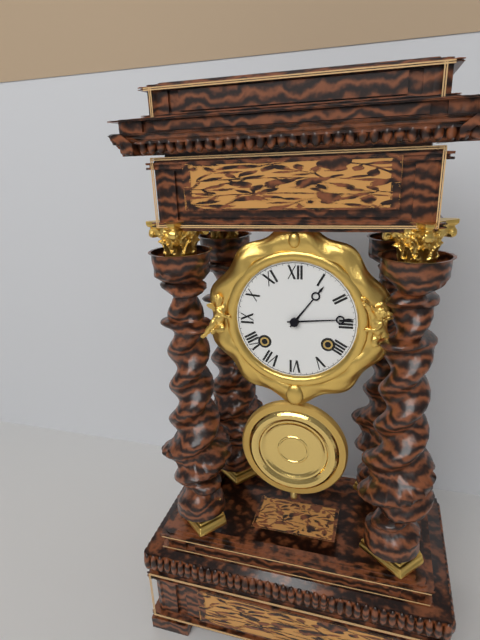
**1:14**
